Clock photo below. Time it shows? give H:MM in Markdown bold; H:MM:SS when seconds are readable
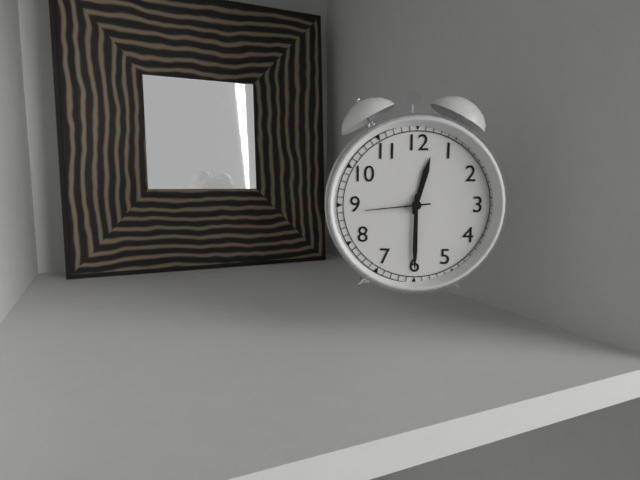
**12:30:44**
